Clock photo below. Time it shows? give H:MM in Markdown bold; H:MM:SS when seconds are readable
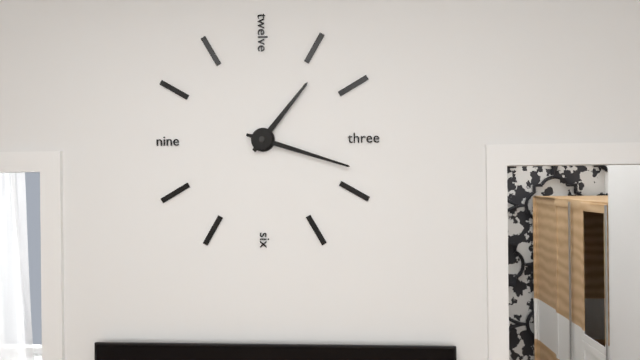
**1:18**
